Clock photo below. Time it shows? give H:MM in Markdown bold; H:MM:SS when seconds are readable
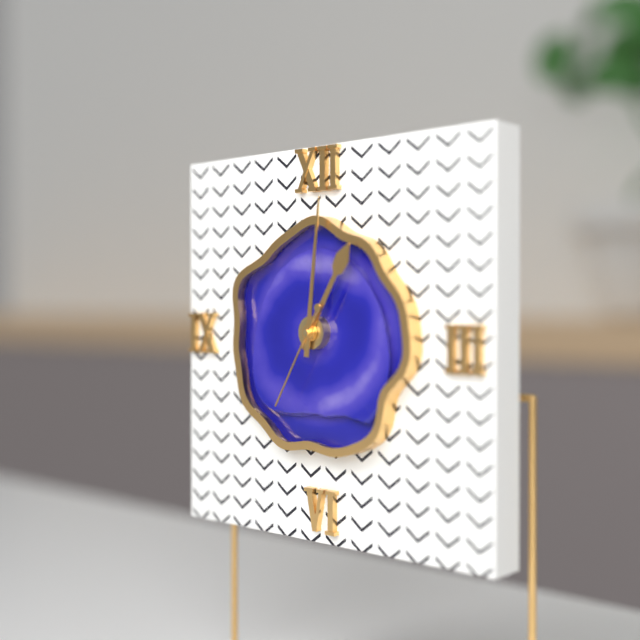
**1:01:35**
